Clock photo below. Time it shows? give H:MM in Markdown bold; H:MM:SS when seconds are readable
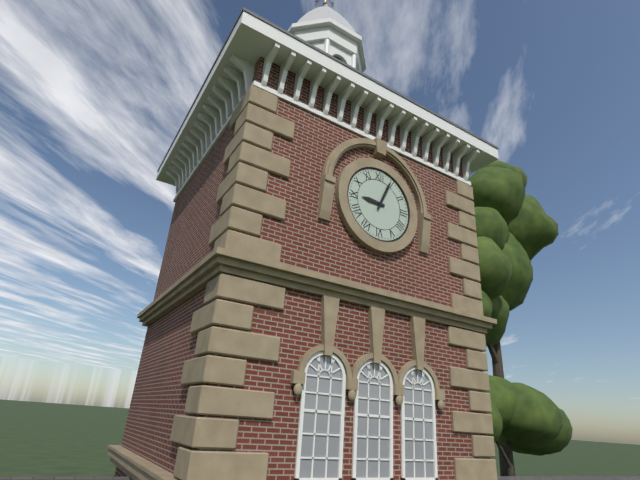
**9:04**
